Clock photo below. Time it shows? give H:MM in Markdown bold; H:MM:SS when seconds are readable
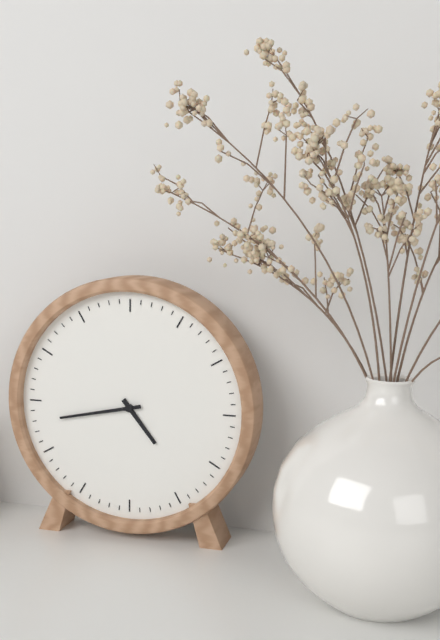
**4:43**
